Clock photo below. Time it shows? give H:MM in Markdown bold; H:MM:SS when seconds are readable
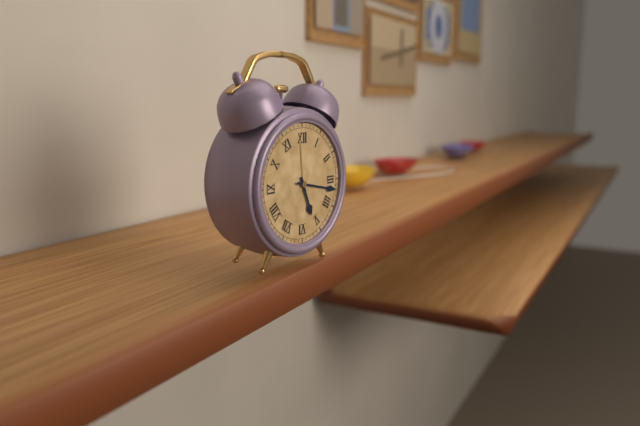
**5:17**
